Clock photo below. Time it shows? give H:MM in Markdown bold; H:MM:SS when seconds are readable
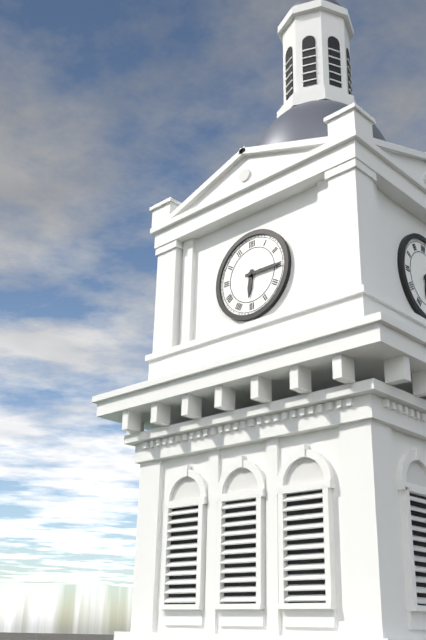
**6:15**
